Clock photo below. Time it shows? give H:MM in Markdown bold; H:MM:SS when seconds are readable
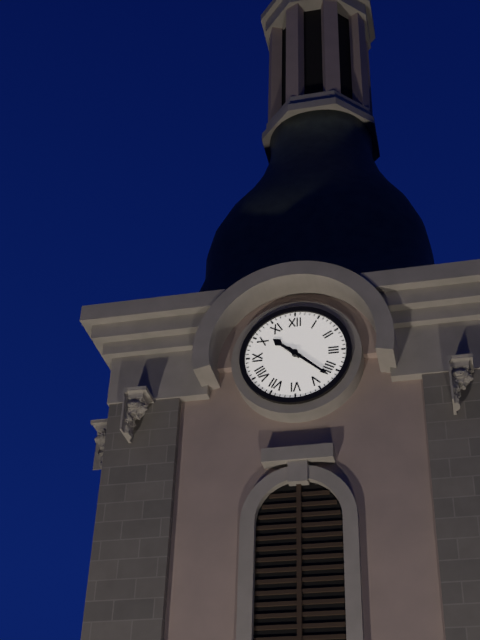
**10:22**
